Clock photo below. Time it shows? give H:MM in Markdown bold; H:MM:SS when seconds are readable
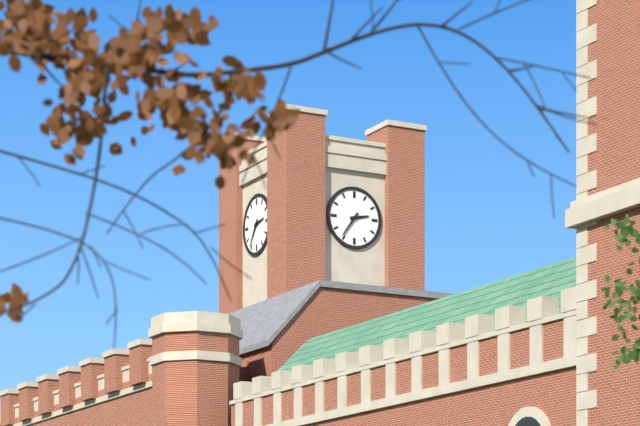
**2:36**
